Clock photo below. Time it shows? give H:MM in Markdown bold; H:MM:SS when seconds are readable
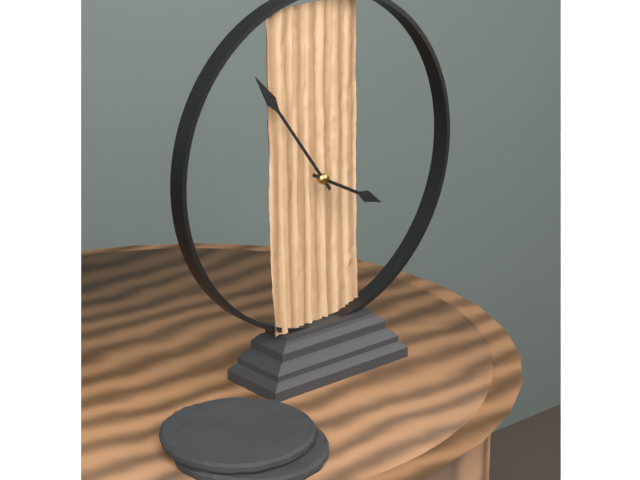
**3:54**
